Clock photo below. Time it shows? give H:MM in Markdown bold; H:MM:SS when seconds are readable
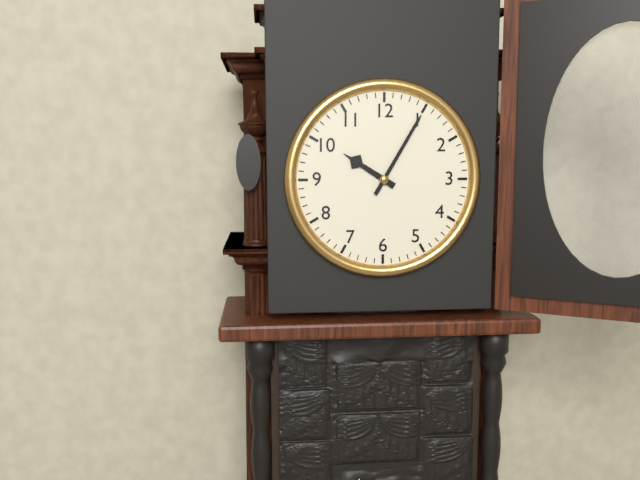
**10:05**
